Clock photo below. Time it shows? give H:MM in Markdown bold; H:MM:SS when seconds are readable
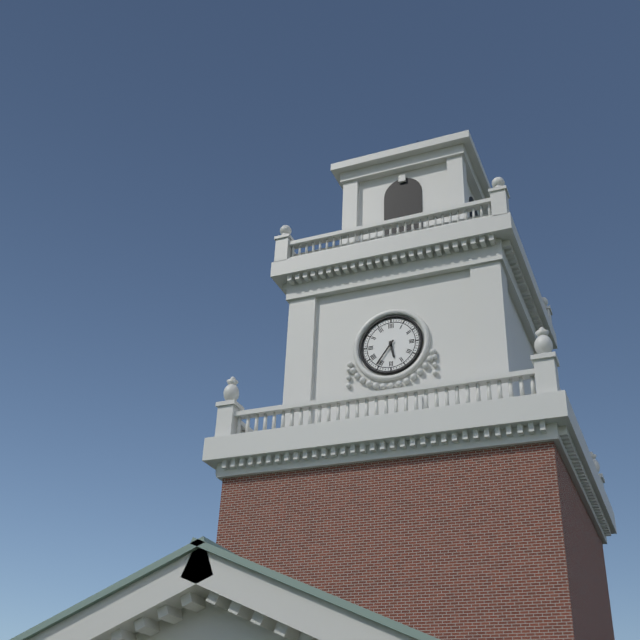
**5:36**
